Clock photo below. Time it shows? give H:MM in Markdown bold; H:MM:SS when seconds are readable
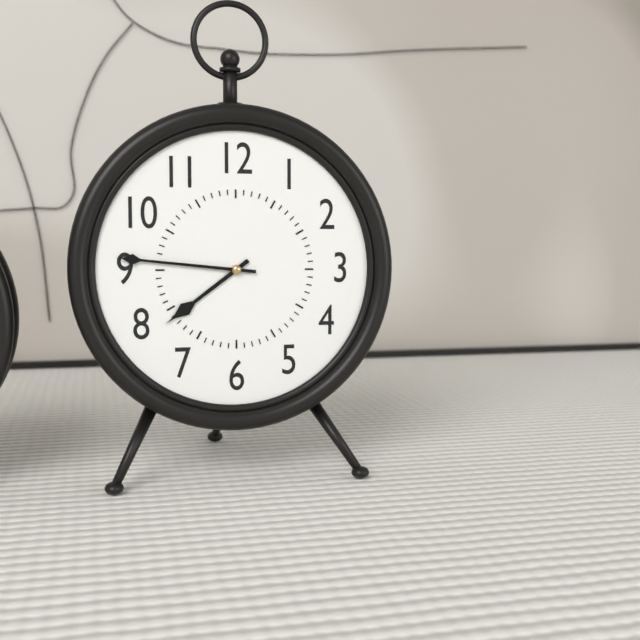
**7:46**
